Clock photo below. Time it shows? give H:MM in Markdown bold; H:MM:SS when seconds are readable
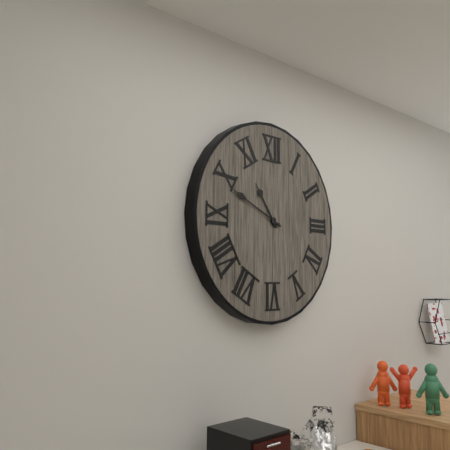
**10:49**
